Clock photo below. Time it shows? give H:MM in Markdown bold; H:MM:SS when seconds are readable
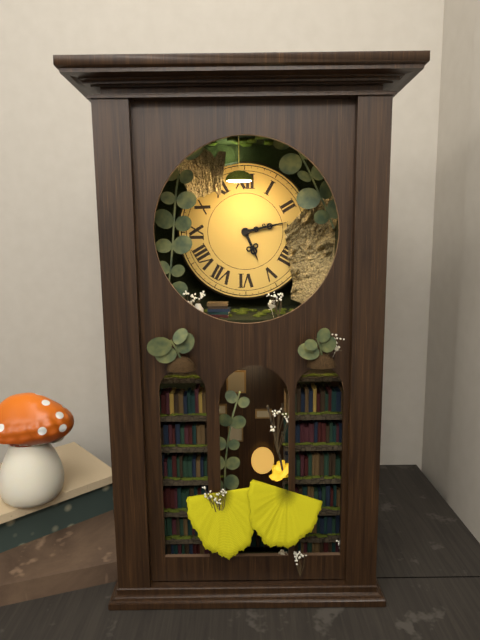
**5:13**
